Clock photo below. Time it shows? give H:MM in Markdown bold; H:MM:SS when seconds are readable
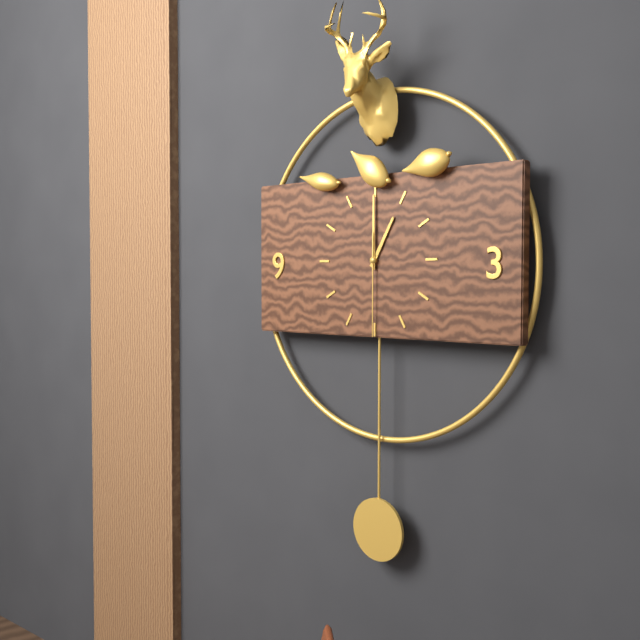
**1:00:30**
